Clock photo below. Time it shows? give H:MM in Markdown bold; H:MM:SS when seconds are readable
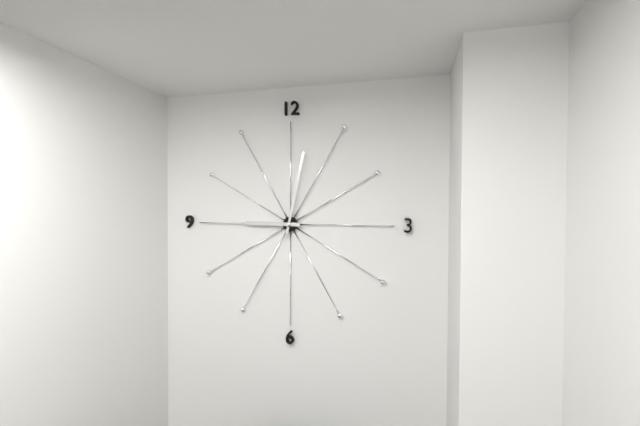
**9:02**
